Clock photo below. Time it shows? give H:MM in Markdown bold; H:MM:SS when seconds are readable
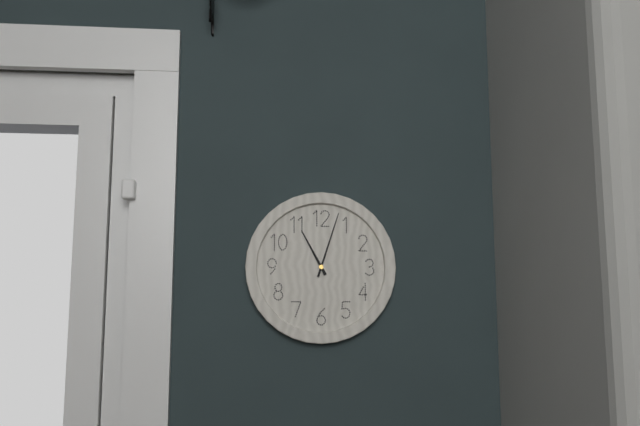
**11:03**
